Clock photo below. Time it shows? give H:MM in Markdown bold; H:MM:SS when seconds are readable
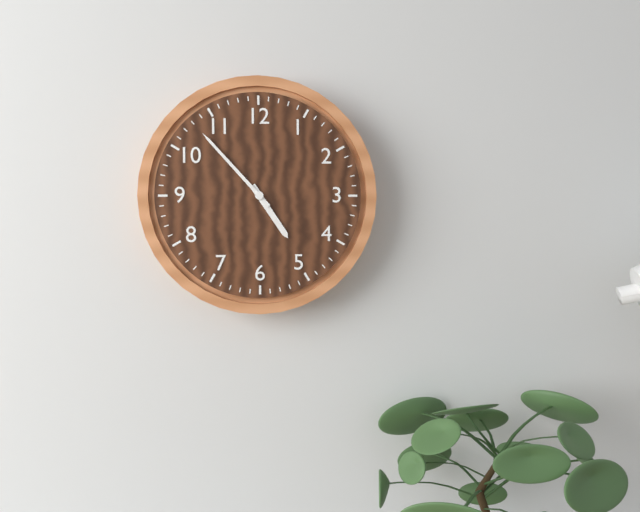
**4:53**
